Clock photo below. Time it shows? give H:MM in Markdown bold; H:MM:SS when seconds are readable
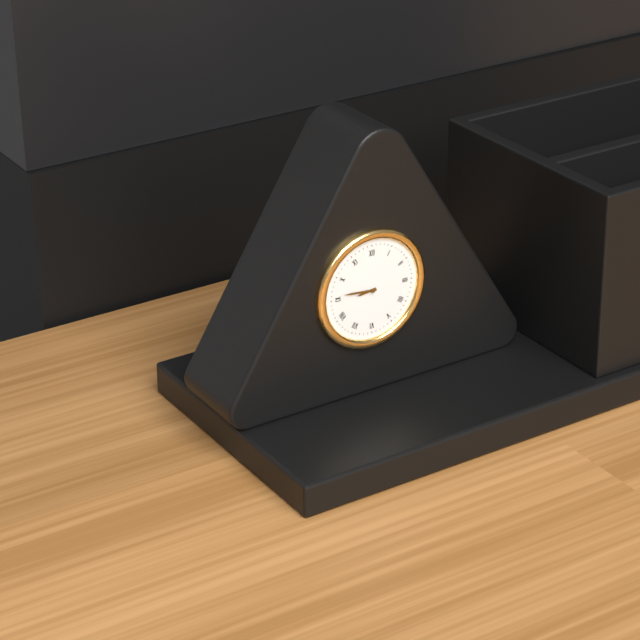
**8:46**
